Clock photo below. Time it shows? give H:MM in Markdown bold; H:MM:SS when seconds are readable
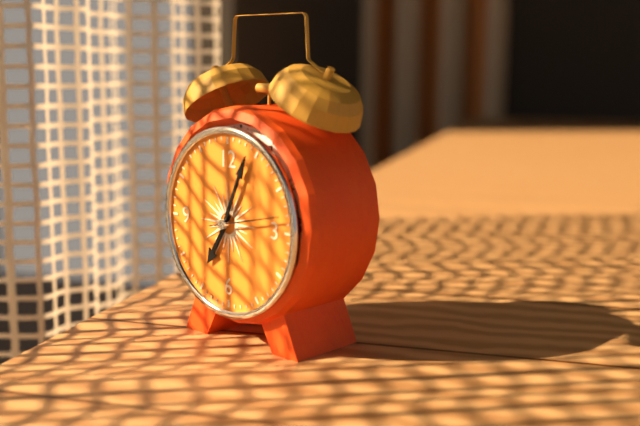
**7:04**
